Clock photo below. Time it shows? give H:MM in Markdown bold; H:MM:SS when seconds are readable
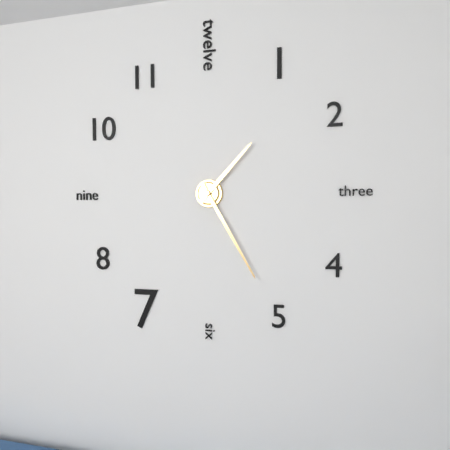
**1:25**
